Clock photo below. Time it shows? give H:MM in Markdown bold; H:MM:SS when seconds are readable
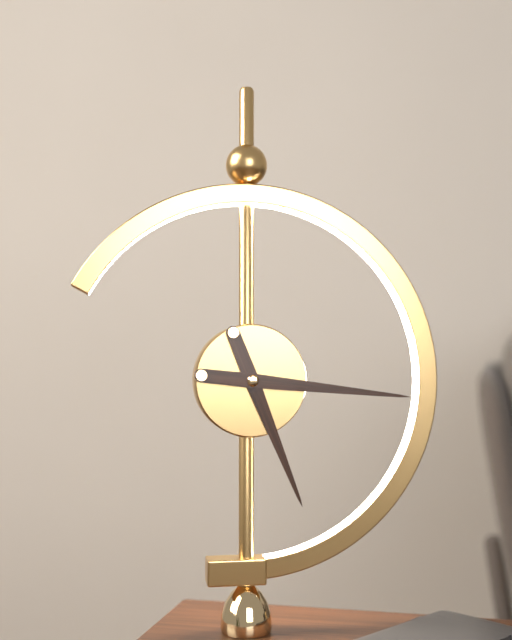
**5:16**
